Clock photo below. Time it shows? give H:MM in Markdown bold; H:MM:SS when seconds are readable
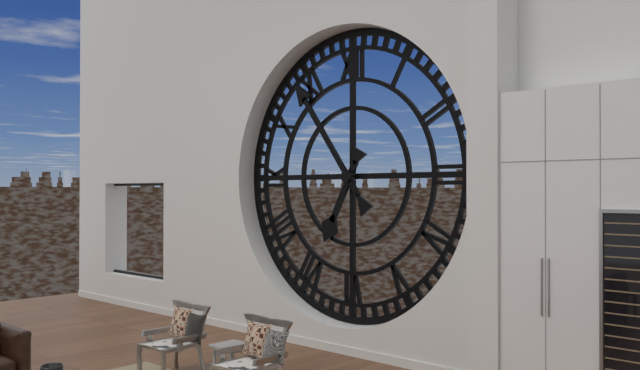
**6:54**
